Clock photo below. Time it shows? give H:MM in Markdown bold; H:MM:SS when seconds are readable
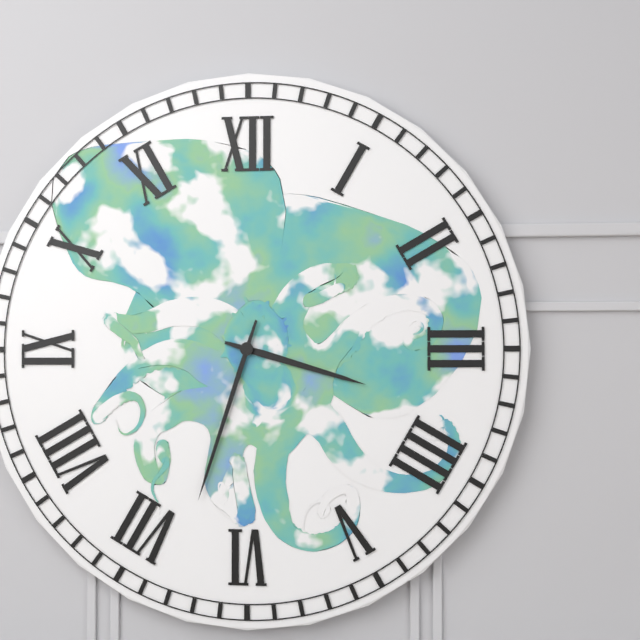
**3:33**
